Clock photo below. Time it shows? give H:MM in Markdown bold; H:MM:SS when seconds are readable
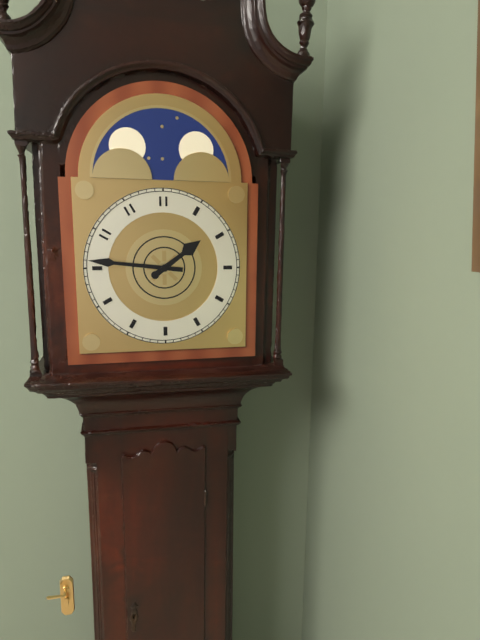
**1:46**
